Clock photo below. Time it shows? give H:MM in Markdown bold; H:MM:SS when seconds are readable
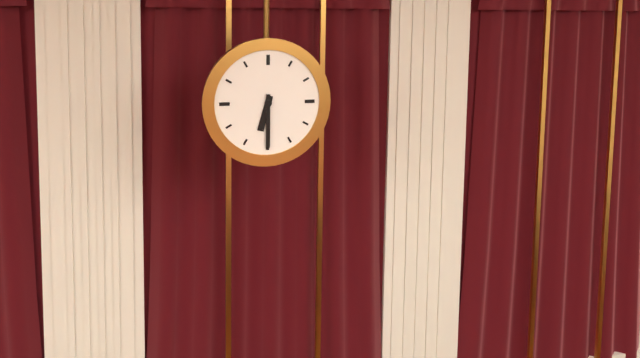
**6:30**
